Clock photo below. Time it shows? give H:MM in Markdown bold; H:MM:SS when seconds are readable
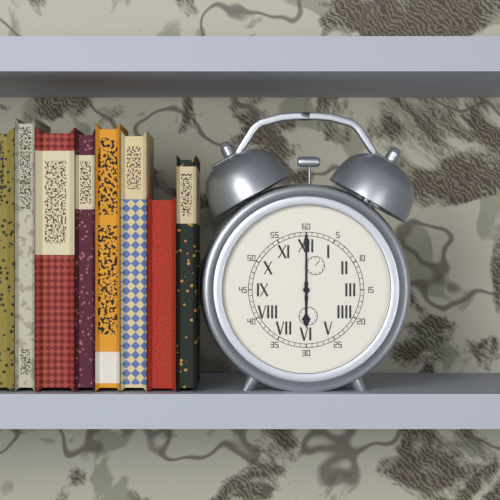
**6:00**
